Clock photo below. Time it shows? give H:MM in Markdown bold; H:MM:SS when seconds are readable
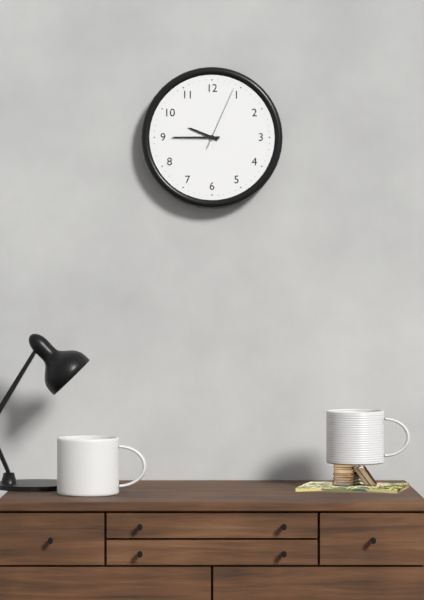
**9:45:04**
